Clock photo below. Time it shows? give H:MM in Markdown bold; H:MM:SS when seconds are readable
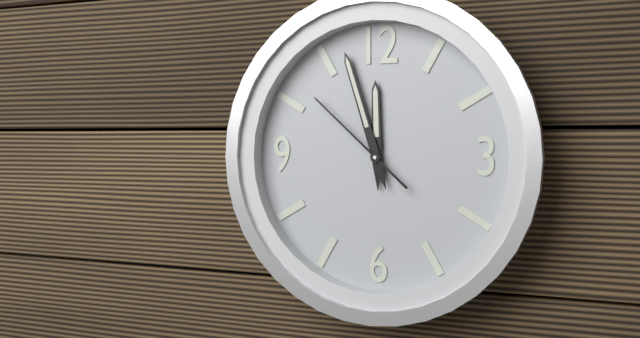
**11:57:52**
